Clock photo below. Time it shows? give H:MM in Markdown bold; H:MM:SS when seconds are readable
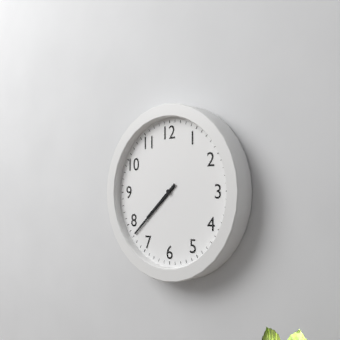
**7:38**
